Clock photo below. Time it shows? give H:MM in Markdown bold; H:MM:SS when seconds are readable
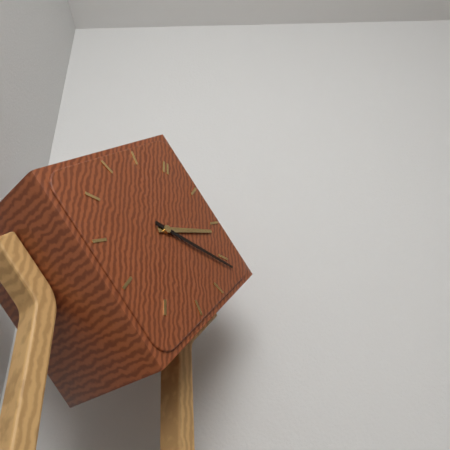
**2:16**
